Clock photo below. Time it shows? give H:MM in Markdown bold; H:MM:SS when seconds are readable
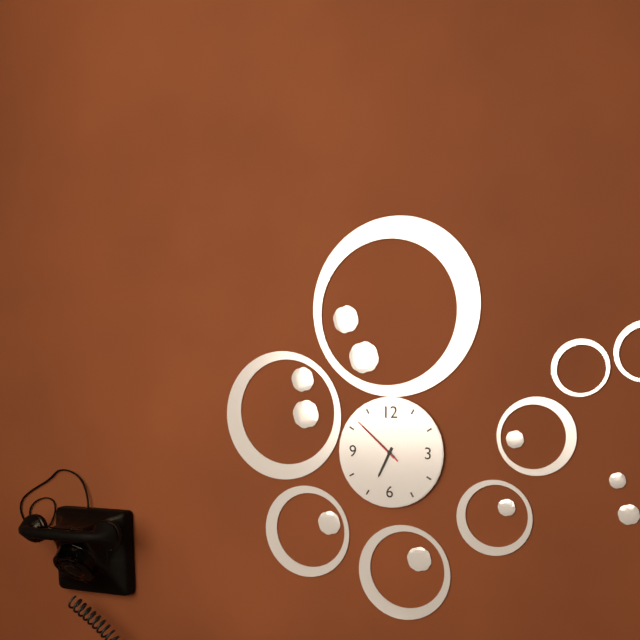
**6:52:52**
